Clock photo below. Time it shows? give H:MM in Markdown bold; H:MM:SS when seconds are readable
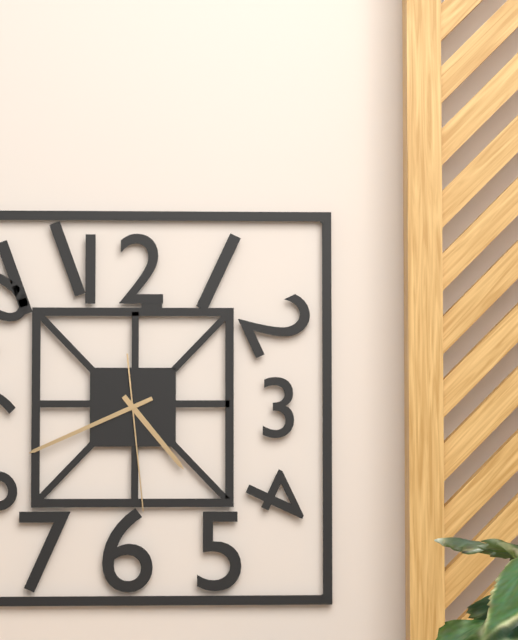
**4:41:29**
